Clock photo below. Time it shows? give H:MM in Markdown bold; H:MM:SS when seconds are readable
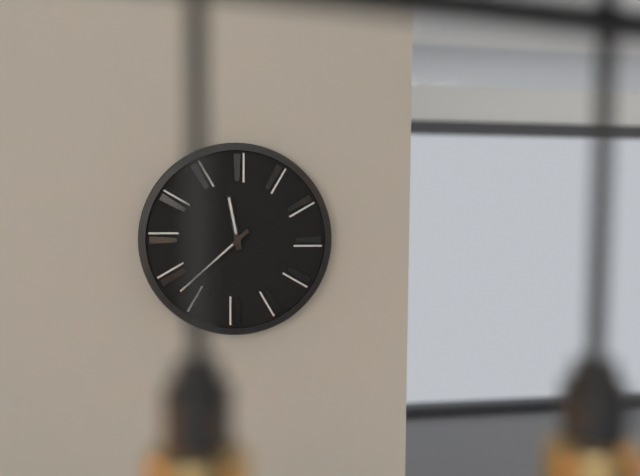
**11:38**
